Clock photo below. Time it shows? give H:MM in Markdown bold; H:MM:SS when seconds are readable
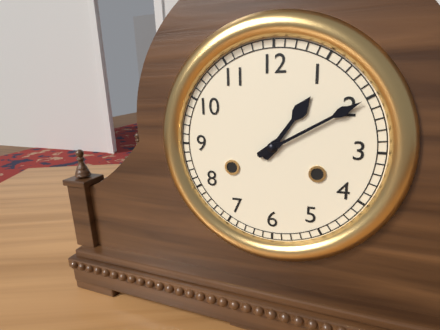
**1:10**
